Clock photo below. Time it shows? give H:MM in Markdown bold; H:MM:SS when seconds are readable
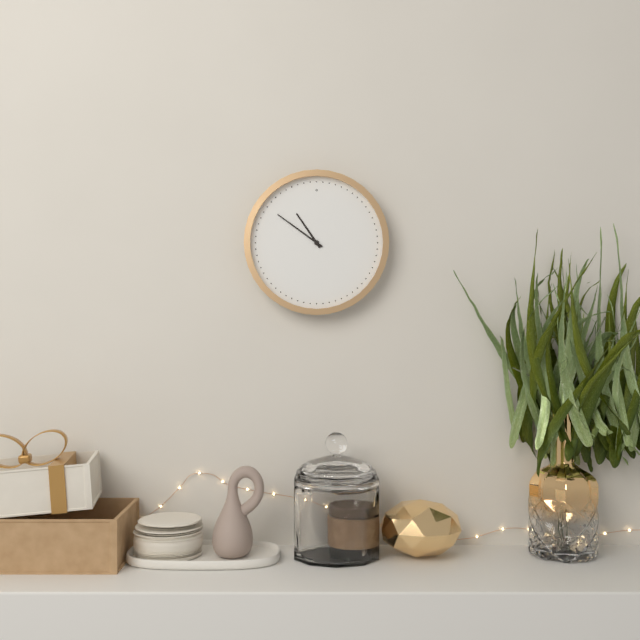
**10:51**
